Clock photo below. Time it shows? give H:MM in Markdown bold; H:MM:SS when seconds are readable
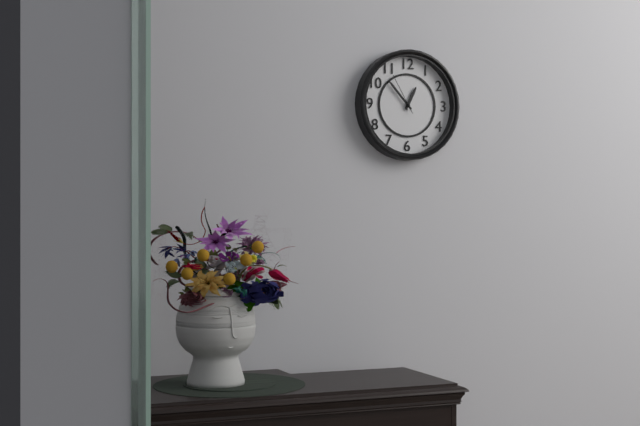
**12:53**
